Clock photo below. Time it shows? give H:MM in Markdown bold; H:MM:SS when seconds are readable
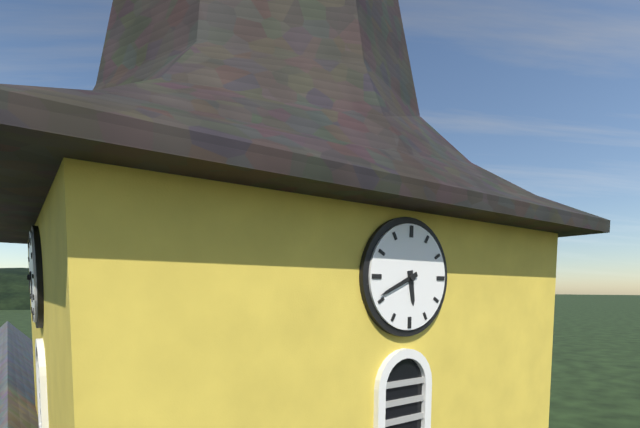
**5:41**
